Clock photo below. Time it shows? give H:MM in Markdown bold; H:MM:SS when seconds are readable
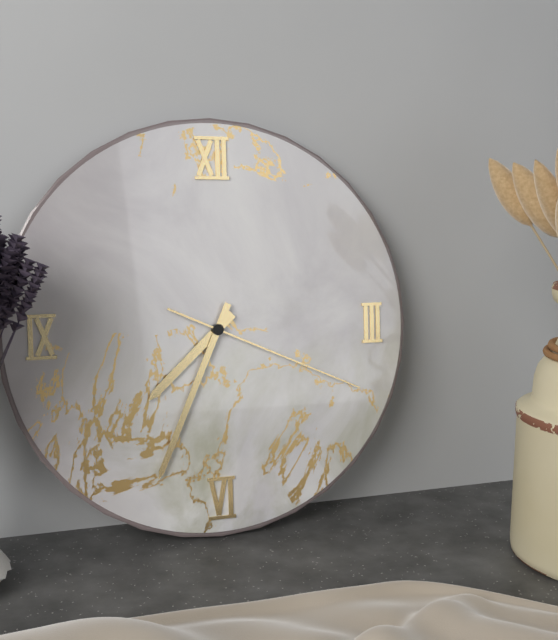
**7:34:19**
